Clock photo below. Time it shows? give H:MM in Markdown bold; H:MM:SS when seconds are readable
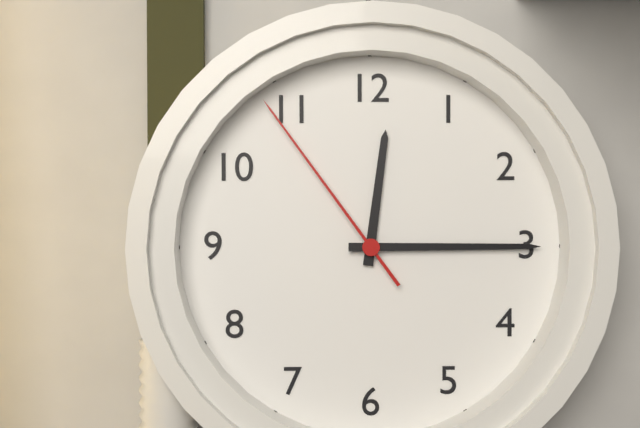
**12:15:54**
